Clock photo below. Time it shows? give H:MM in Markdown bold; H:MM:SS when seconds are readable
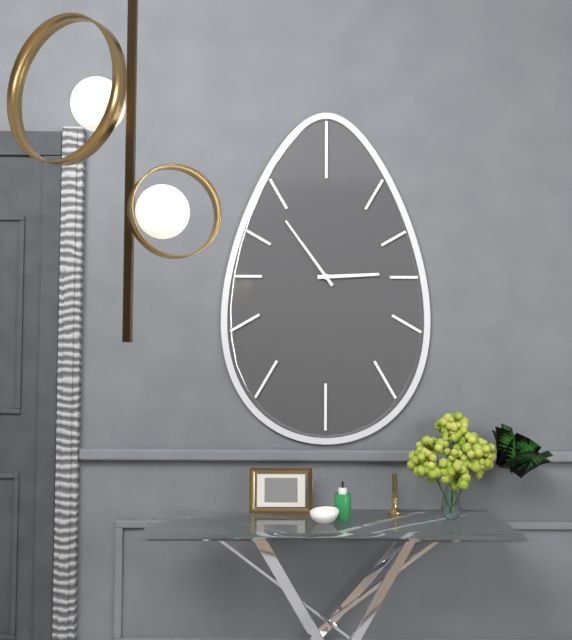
**2:54**
